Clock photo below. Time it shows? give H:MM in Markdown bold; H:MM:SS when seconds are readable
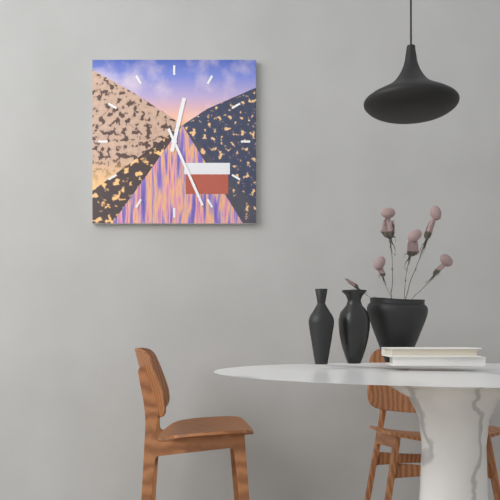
**12:26**
